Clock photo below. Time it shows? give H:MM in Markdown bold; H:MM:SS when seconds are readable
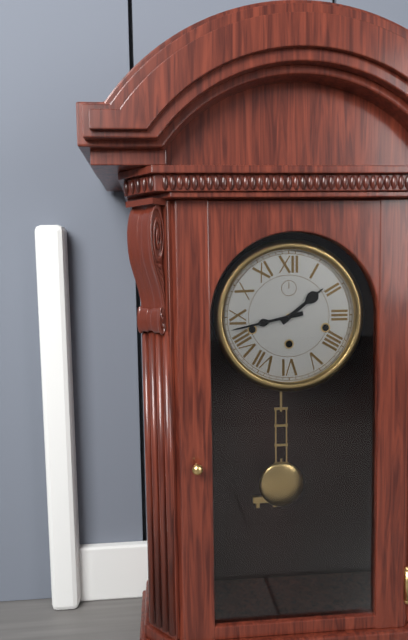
**1:43**
